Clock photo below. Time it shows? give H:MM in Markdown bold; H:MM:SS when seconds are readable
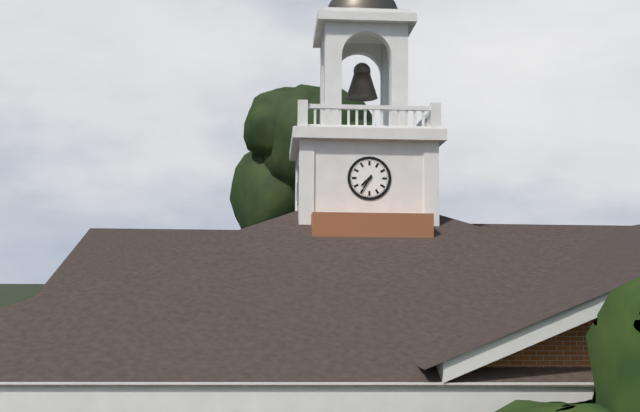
**7:35**
